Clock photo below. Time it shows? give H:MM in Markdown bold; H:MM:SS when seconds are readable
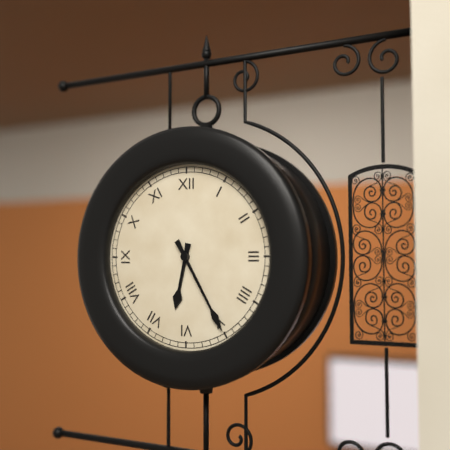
**6:25**
